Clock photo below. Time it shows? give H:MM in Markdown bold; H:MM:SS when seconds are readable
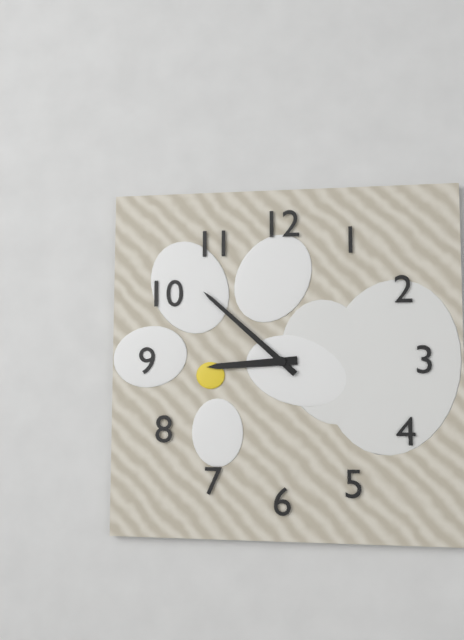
**8:52**
